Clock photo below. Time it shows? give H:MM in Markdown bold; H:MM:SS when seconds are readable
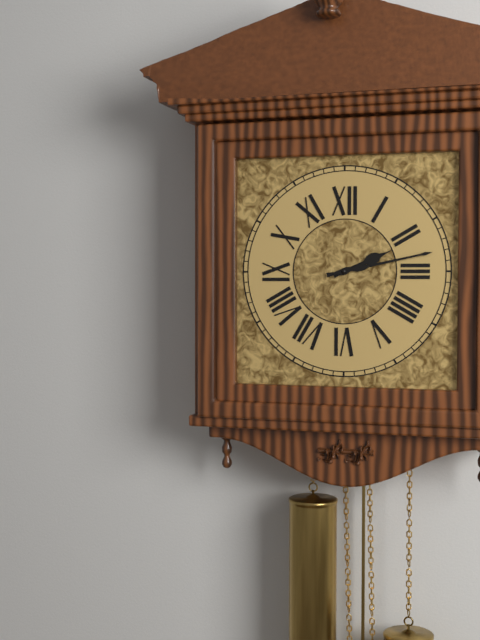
**2:13**
